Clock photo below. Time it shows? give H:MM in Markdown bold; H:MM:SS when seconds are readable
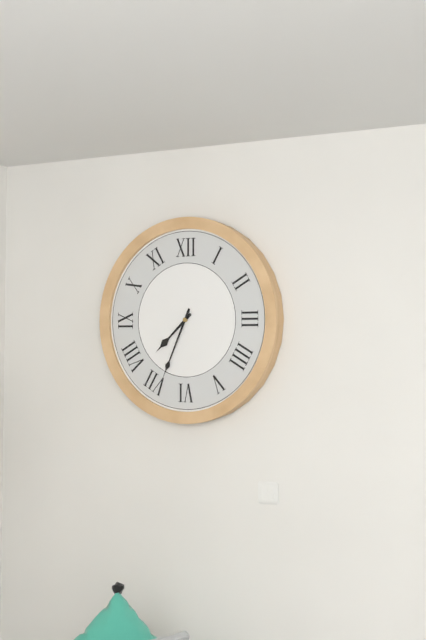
**7:34**
